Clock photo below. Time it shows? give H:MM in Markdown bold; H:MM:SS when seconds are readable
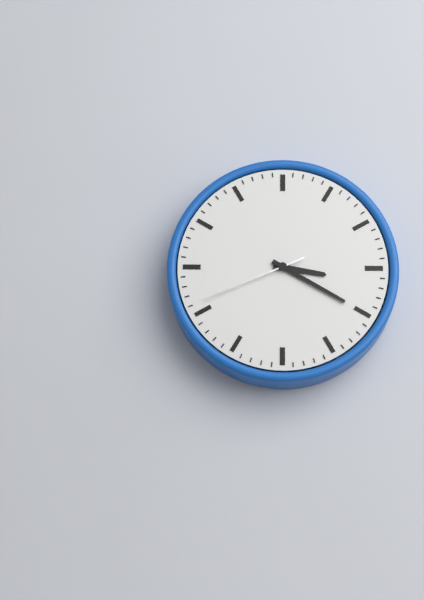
**3:20:41**
